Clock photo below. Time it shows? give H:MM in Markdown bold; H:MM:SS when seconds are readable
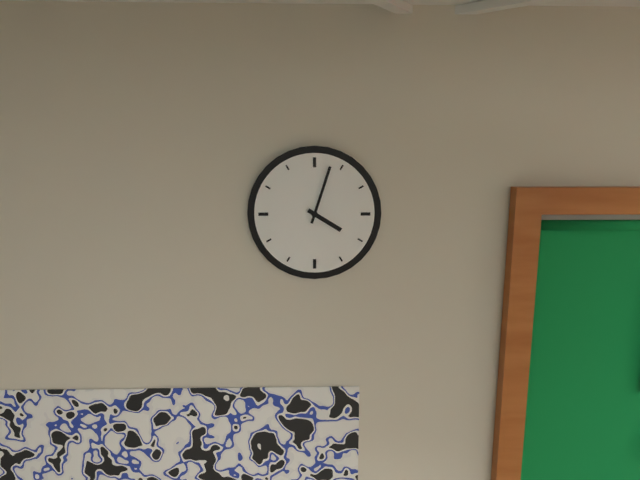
**4:03**
